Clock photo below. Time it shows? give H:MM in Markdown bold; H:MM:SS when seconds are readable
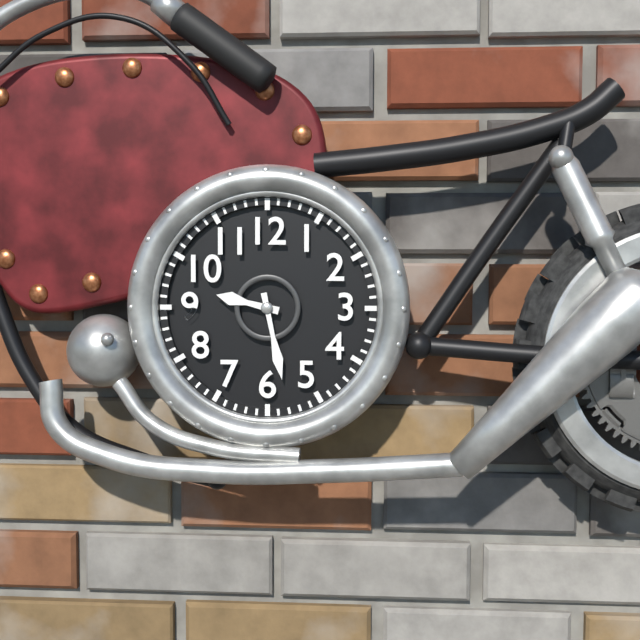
**9:28**
